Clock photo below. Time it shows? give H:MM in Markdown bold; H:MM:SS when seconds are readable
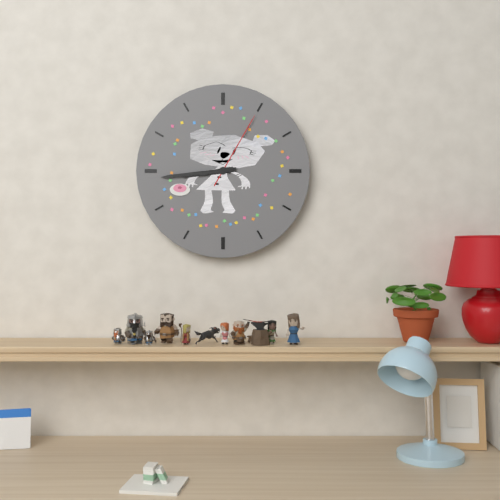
**8:44:05**
